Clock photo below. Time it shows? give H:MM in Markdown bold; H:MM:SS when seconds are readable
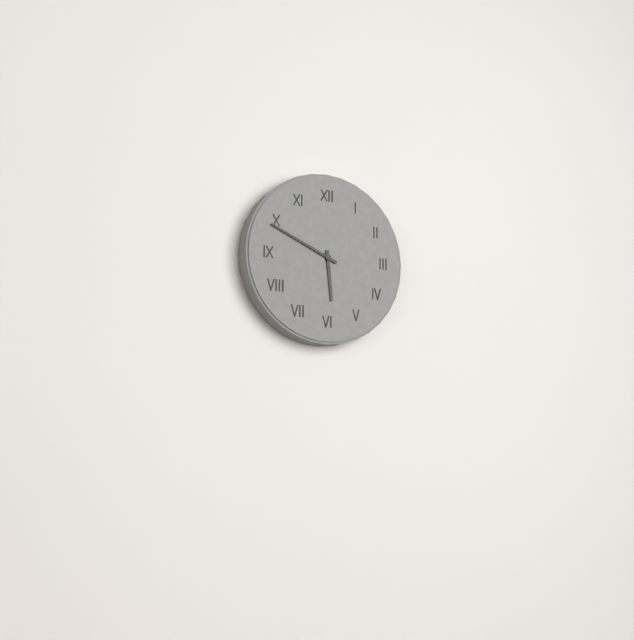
**5:49**
